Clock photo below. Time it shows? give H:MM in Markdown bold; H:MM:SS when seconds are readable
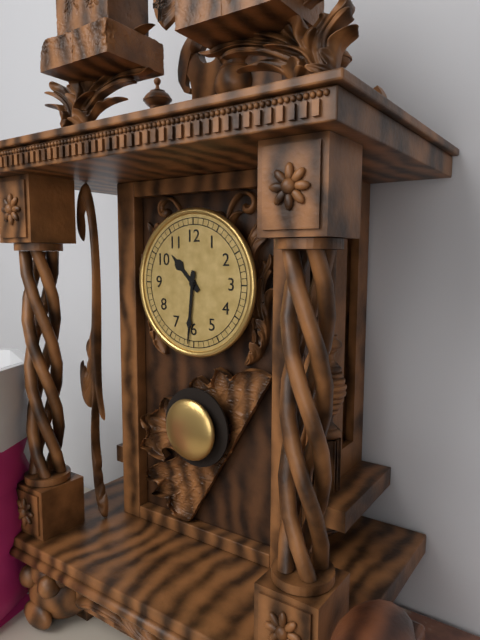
**10:31**
